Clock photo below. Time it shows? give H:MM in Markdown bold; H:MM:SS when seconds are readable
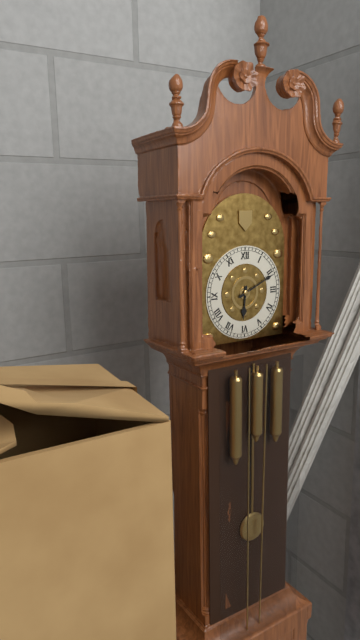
**6:11**
